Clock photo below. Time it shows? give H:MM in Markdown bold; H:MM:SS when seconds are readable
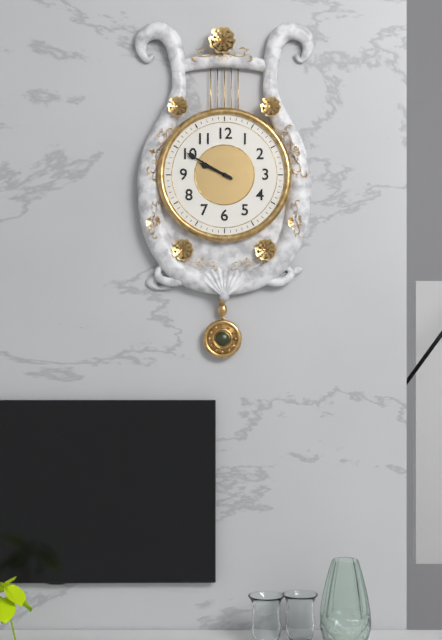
**9:50**
